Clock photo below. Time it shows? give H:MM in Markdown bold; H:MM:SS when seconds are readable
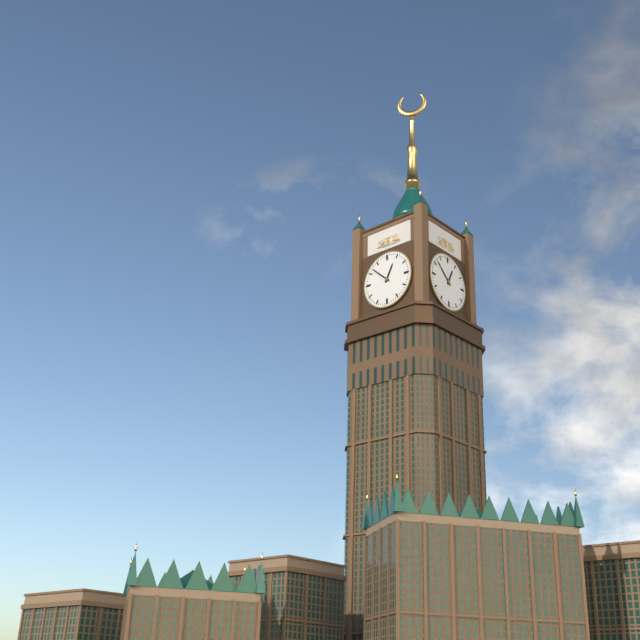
**12:52**
